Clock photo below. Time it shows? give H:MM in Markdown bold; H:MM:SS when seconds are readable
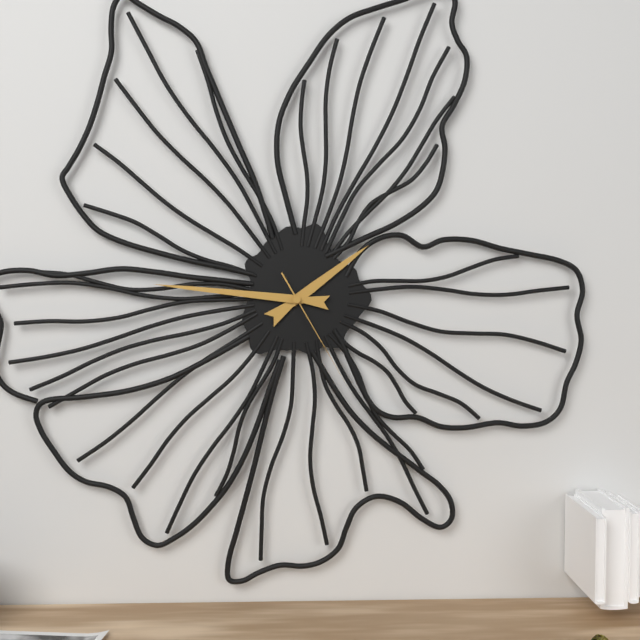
**1:46:25**
